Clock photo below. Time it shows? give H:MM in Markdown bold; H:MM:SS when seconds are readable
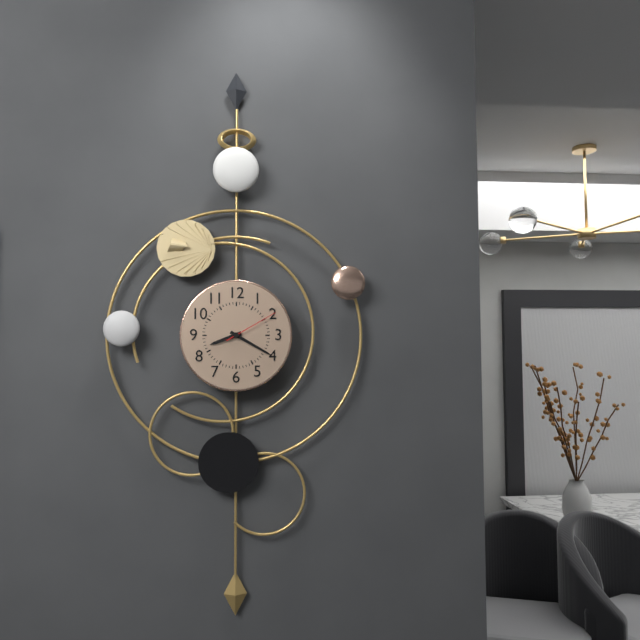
**8:20:10**
